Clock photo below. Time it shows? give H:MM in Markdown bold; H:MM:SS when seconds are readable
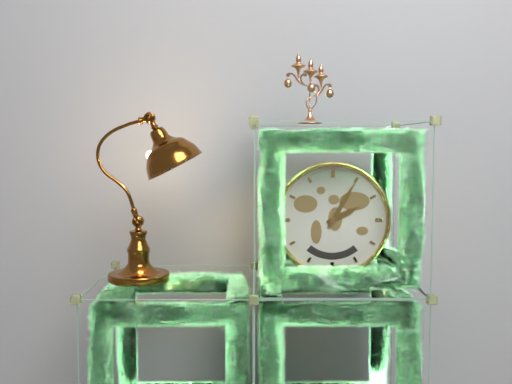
**2:05**
